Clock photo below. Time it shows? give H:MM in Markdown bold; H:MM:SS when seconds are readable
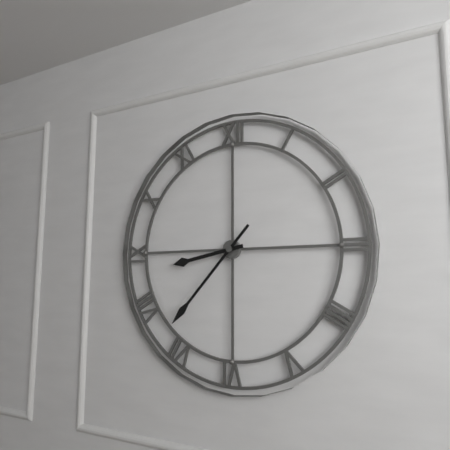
**8:37**
